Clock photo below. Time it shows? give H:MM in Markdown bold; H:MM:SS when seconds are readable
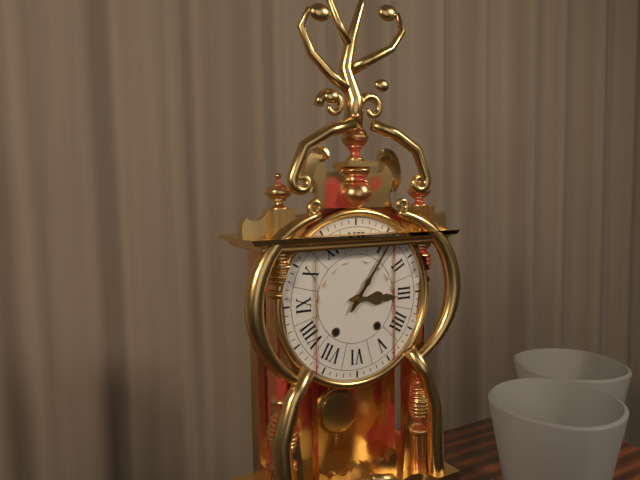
**3:06**
